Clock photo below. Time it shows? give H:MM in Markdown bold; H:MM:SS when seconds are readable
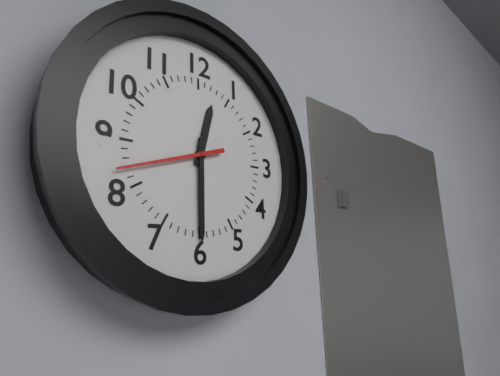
**12:30:42**
